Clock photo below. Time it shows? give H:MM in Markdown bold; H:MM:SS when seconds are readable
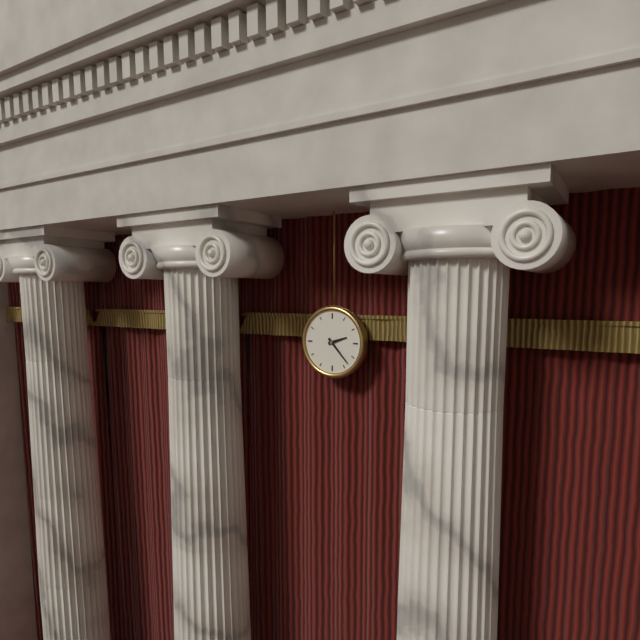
**2:23**
